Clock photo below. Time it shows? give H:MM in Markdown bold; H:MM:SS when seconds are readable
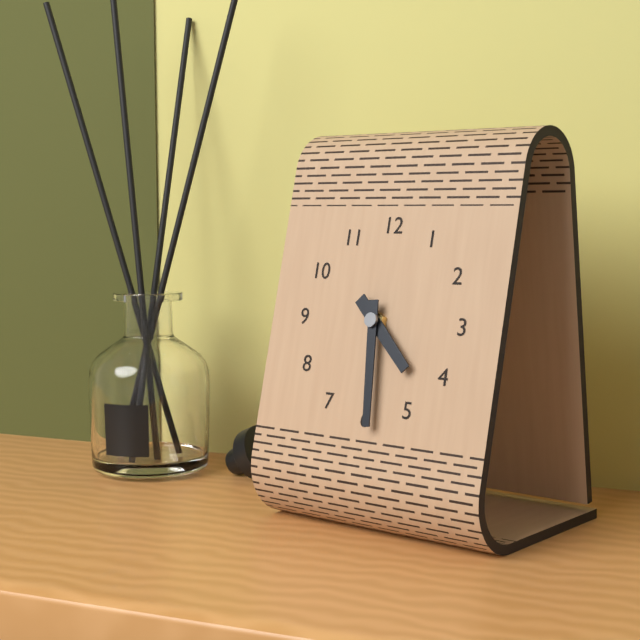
**4:29**
